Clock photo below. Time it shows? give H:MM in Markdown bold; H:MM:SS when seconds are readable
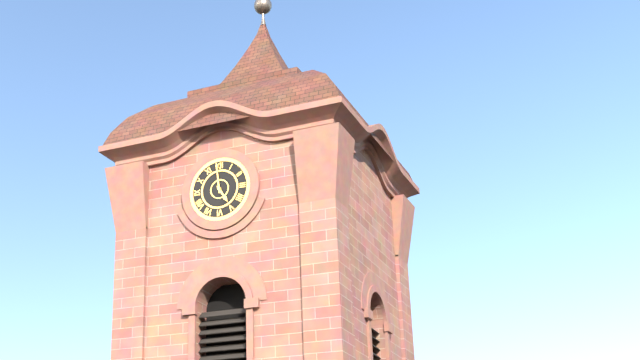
**4:59**
